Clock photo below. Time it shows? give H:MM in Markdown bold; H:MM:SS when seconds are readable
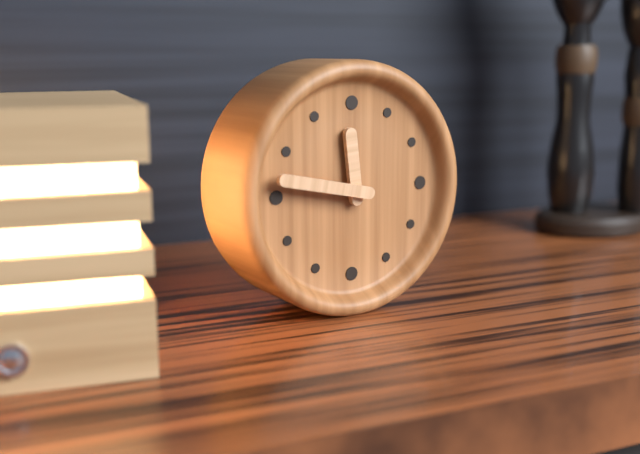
**11:47**
